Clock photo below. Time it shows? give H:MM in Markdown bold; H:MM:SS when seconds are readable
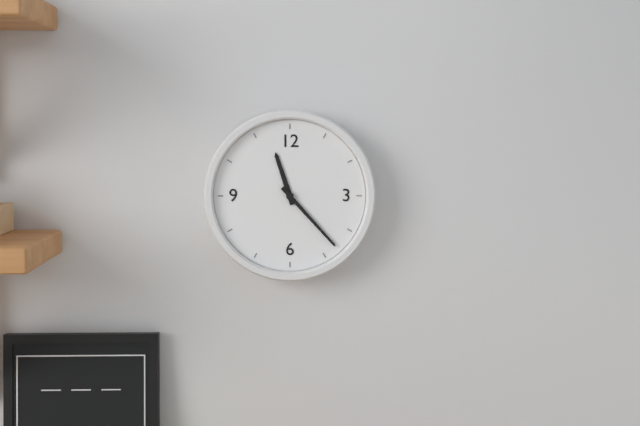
**11:23**
